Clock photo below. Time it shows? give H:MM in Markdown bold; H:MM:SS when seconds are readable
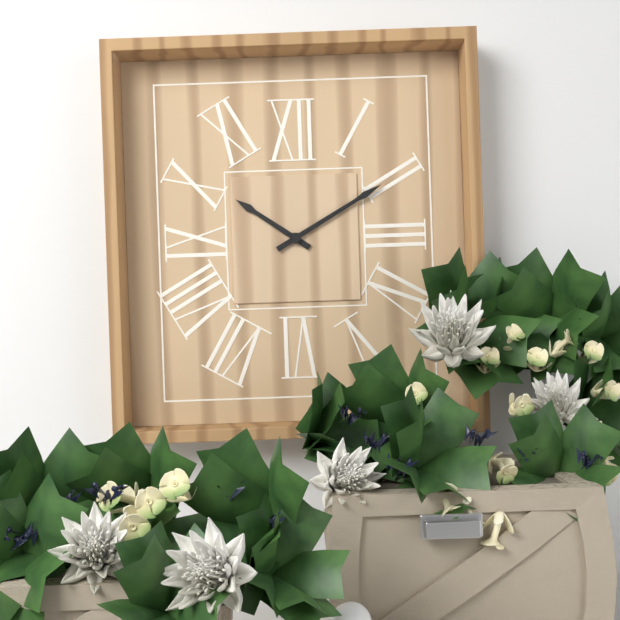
**10:10**
